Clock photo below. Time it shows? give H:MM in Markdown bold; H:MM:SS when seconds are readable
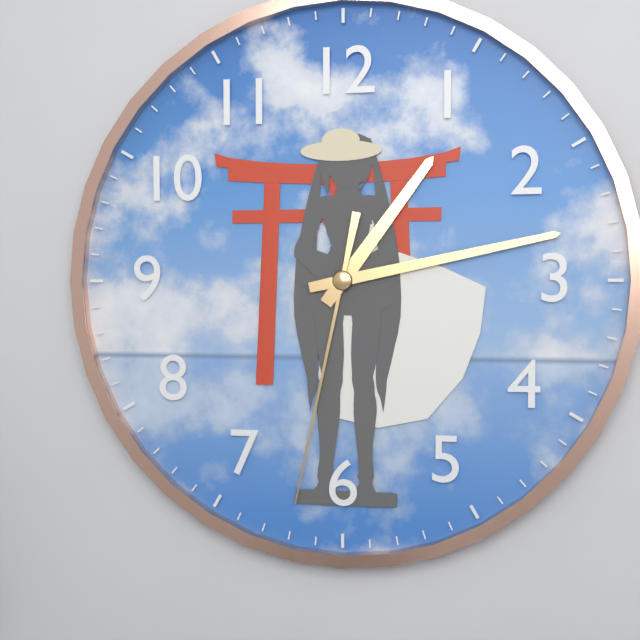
**1:13:32**
